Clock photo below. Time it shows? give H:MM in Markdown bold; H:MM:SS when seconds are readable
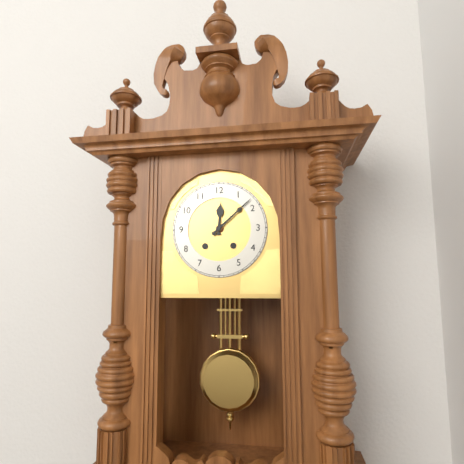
**12:08**
